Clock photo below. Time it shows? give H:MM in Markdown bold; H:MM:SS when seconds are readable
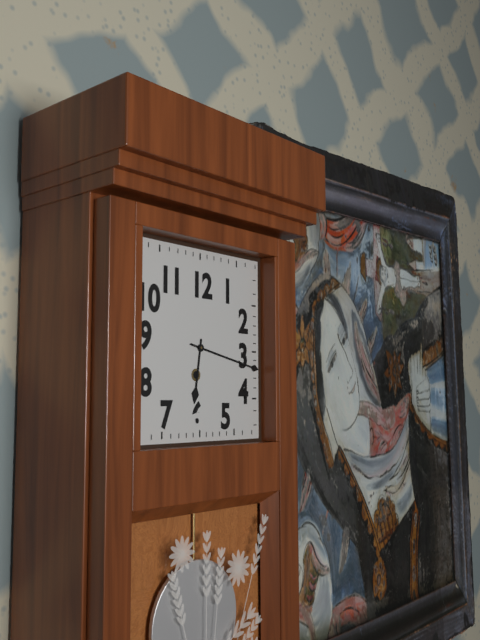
**6:17**
